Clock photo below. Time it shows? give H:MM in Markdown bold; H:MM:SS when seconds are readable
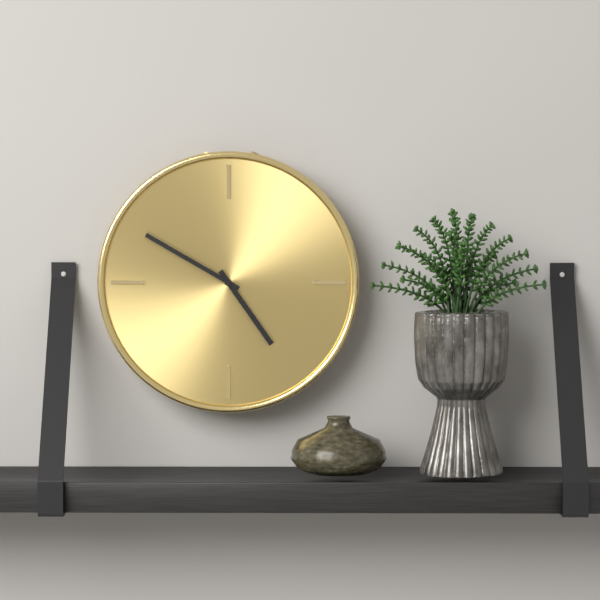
**4:50**
